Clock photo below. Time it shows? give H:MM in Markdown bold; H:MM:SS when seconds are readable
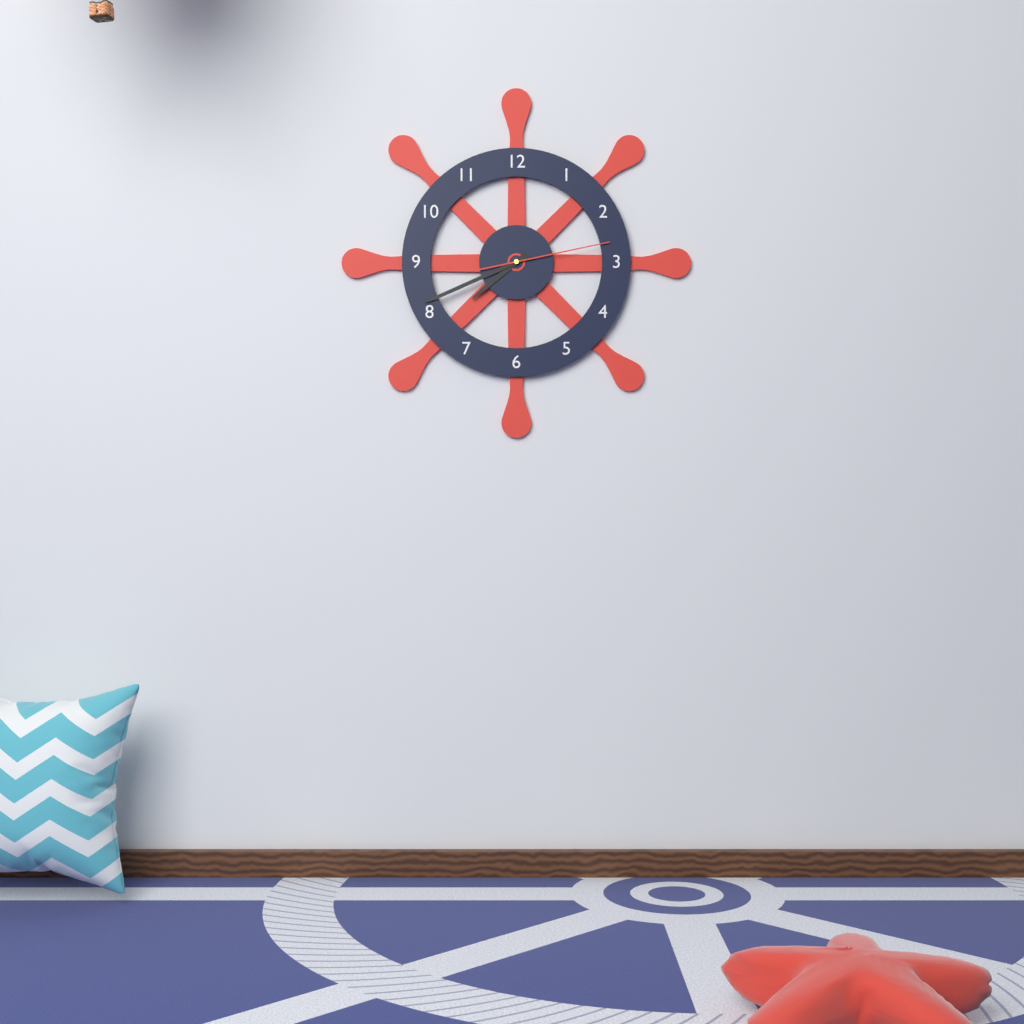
**7:41:13**
